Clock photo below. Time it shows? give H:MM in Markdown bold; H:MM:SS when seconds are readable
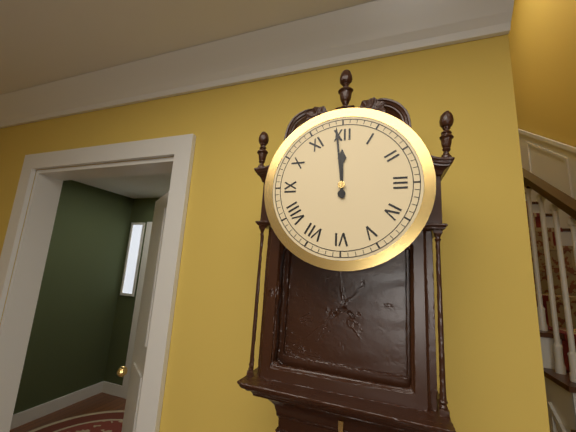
**11:59**
